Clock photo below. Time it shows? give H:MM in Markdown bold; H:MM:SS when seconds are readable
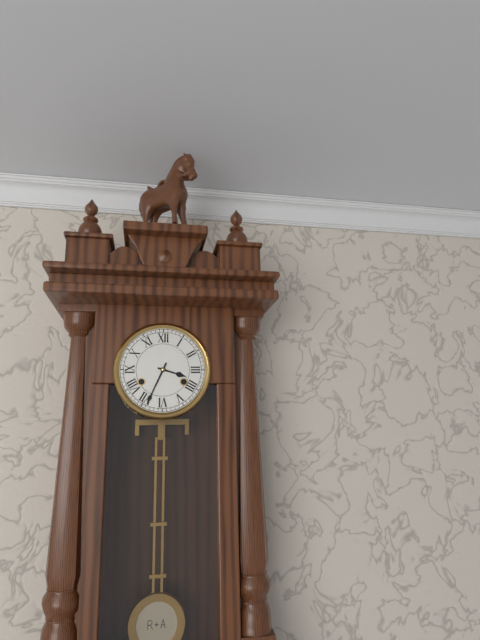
**3:34**
